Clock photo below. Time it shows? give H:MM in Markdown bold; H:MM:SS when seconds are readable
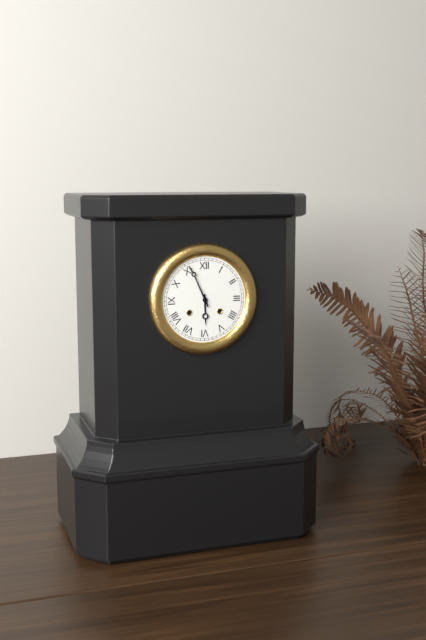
**5:56**
